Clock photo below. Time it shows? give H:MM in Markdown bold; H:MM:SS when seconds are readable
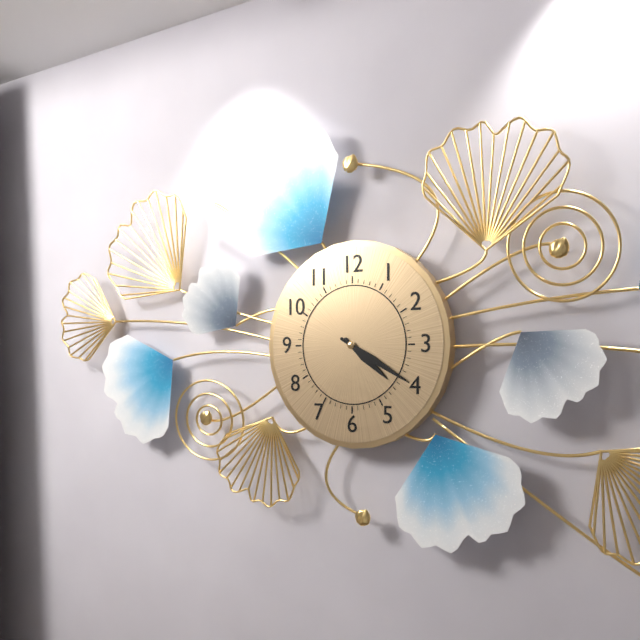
**4:20**
